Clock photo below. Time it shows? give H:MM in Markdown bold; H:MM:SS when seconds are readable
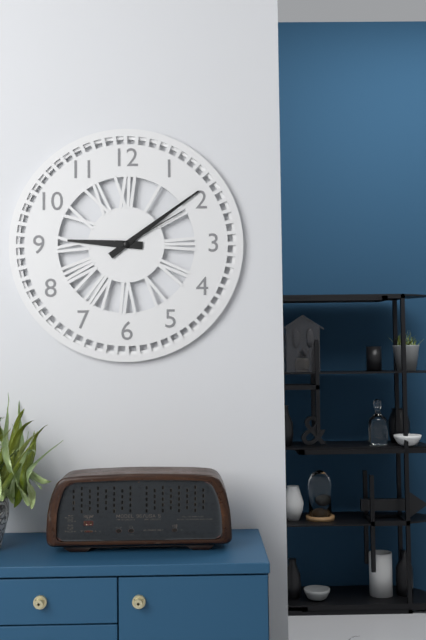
**9:09:10**
